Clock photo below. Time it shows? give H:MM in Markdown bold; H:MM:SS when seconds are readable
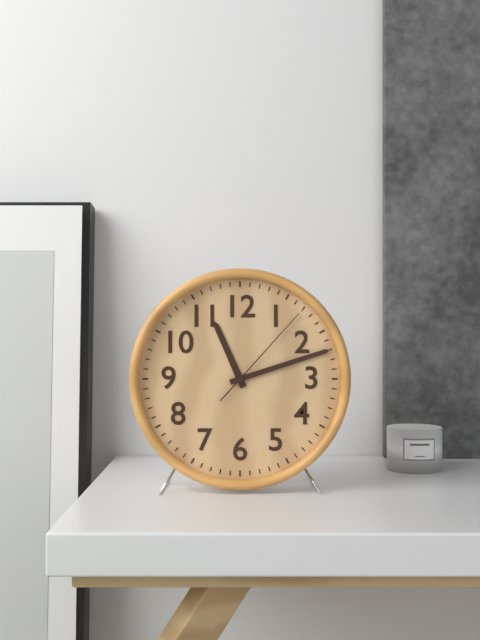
**11:12:07**
